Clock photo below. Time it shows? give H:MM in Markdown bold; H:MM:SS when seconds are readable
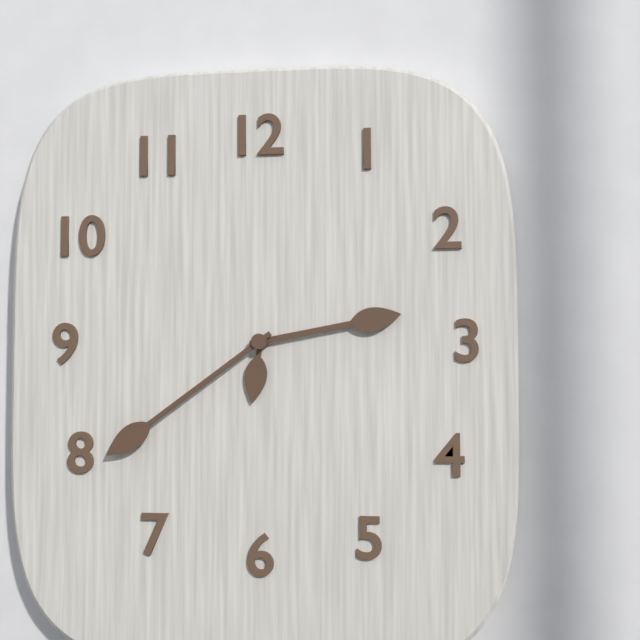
**2:39**
